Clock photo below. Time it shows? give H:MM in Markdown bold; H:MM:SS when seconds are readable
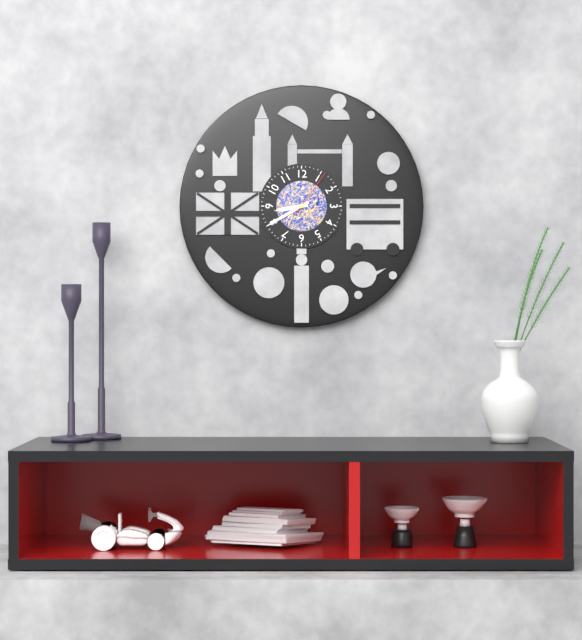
**8:40:06**
